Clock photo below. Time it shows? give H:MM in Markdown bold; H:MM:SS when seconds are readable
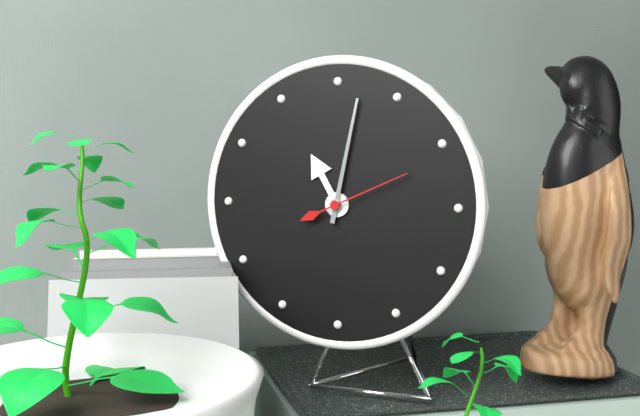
**11:02:11**
